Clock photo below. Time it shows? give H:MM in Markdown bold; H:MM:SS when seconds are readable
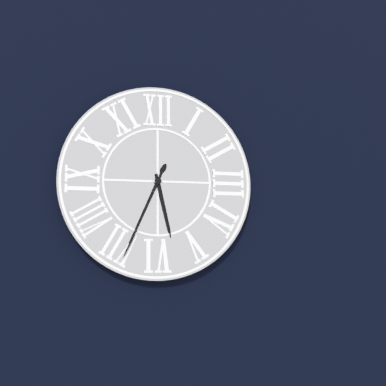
**5:34**
